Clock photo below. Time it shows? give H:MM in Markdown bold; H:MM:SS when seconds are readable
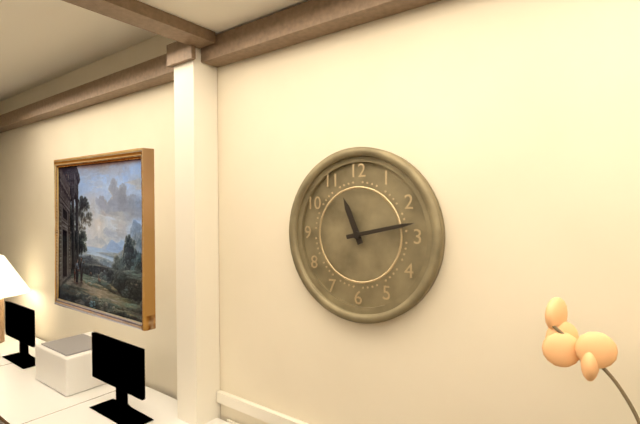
**11:13**
